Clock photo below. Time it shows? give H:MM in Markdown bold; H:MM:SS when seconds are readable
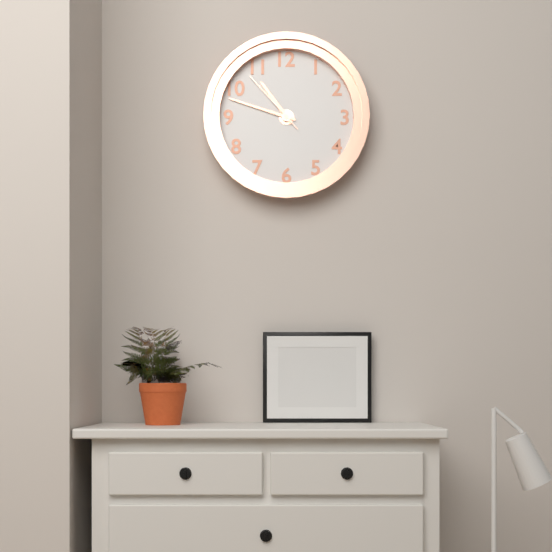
**10:48:53**
